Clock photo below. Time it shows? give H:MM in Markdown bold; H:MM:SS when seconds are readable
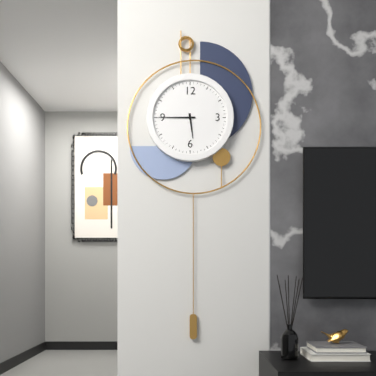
**5:45**
